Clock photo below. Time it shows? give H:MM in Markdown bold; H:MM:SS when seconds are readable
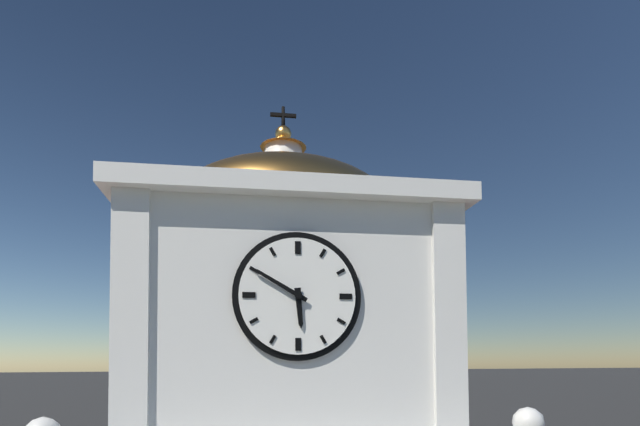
**5:50**
